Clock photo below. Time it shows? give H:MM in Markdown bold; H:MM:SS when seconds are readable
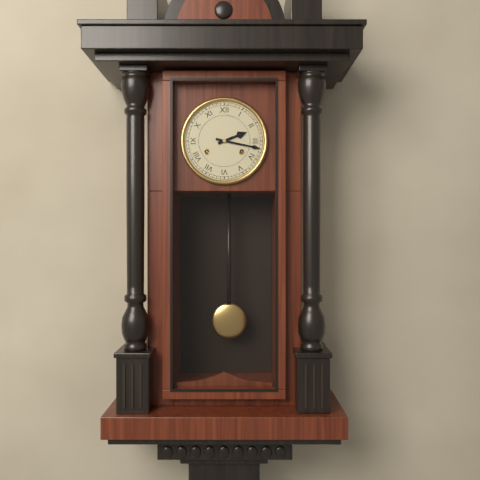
**2:17**
